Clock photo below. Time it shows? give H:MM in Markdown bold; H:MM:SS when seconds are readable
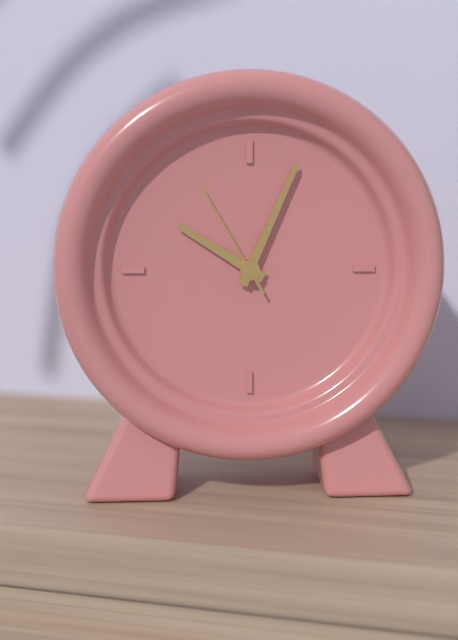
**10:04:55**
